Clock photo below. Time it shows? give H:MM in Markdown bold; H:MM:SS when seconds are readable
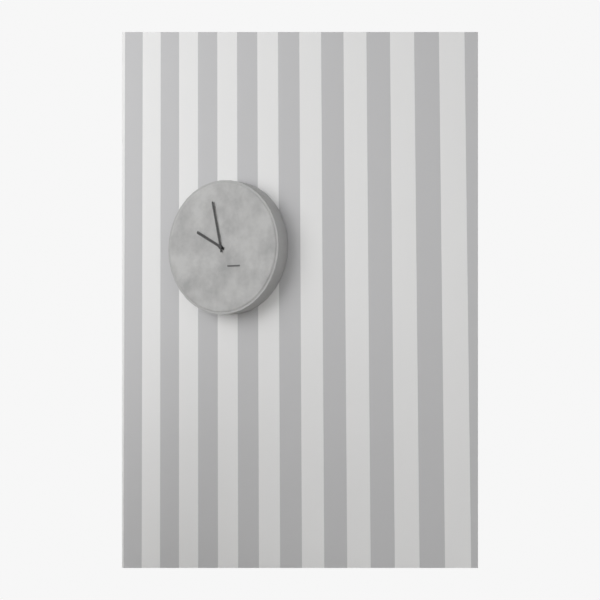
**9:58**
